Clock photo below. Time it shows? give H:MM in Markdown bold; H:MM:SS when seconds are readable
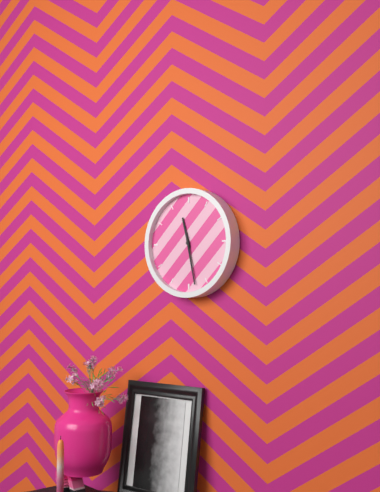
**11:28**
